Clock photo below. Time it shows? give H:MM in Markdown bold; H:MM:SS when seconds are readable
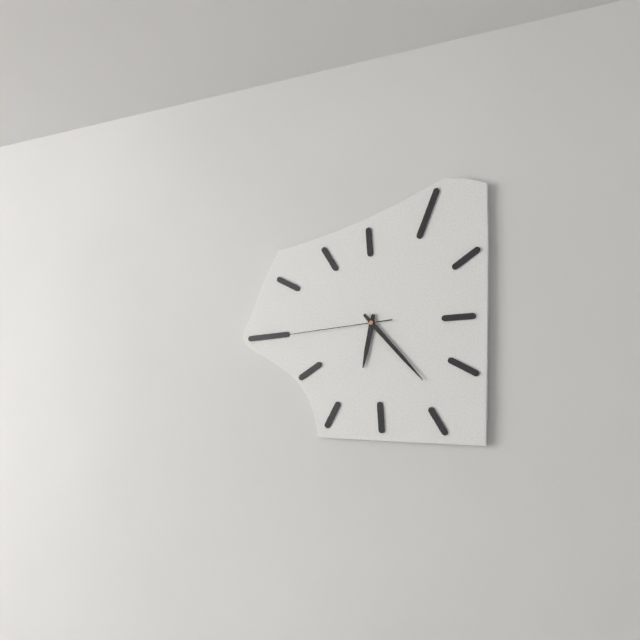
**6:23:44**
